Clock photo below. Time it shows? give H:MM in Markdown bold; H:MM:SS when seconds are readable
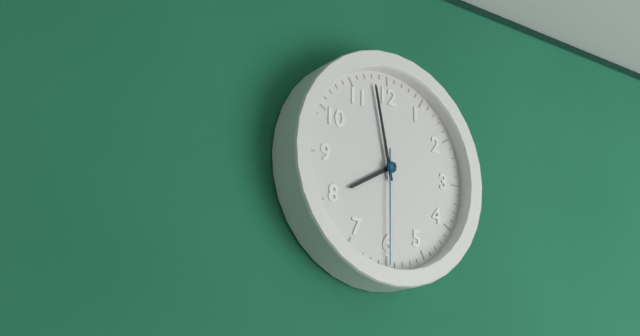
**7:58:30**
